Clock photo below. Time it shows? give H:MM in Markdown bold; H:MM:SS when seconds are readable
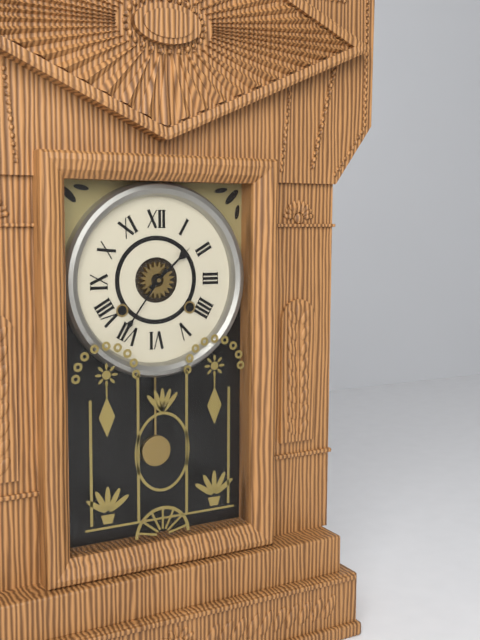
**1:36**
